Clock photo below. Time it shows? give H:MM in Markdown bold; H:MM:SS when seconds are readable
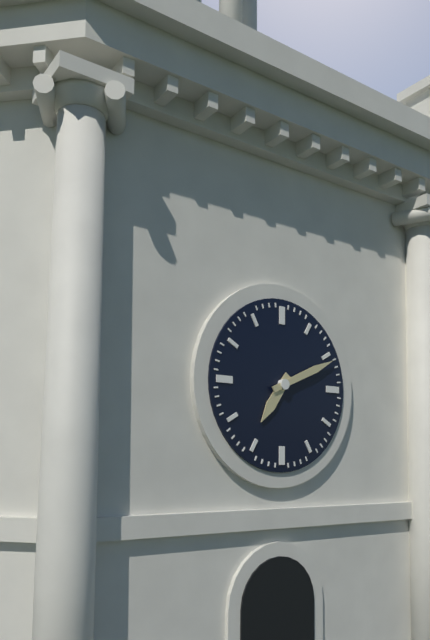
**7:11**
